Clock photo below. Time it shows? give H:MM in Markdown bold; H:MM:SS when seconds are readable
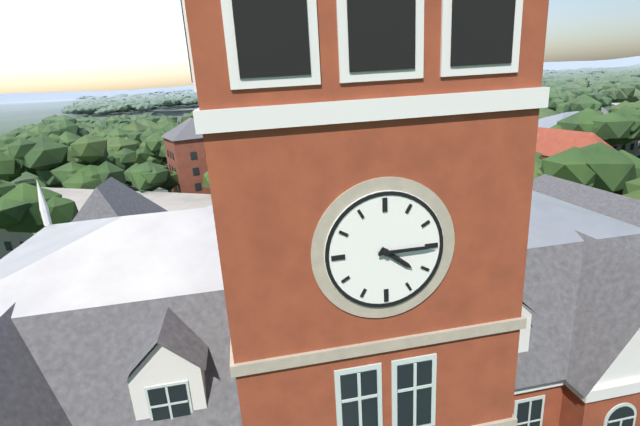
**4:15**
